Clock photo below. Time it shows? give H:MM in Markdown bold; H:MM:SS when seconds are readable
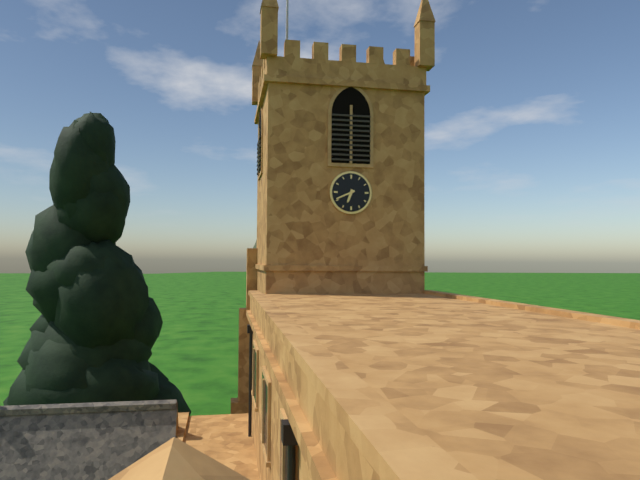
**6:41**
